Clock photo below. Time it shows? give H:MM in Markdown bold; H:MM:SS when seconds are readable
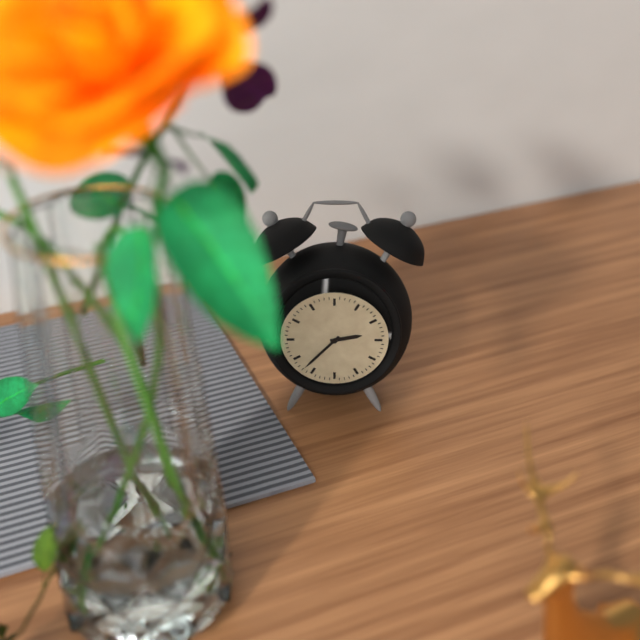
**2:37**
